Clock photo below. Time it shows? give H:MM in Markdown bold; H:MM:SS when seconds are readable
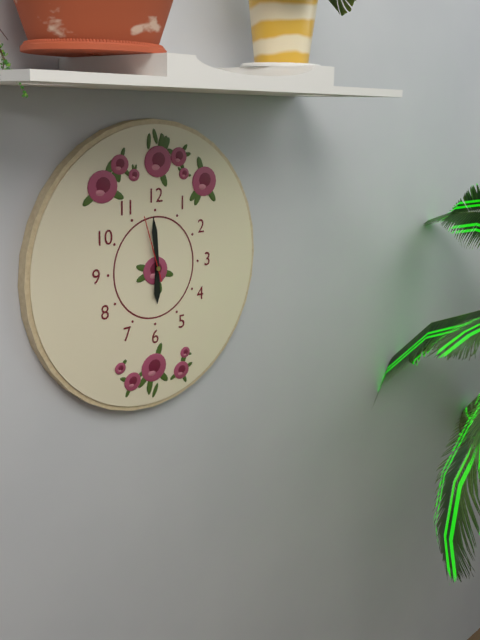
**5:59:57**
